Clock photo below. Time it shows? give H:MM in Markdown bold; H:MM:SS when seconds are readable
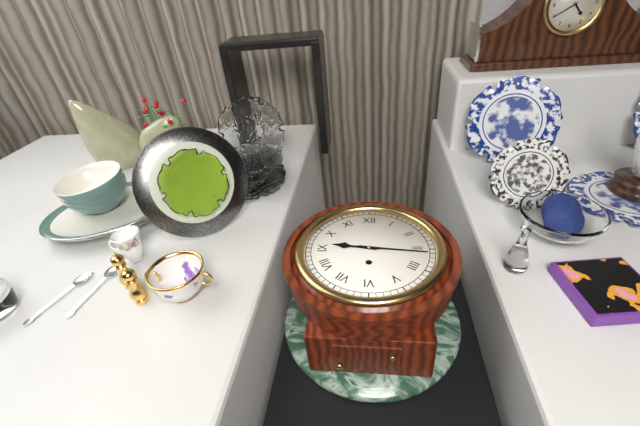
**9:16**
